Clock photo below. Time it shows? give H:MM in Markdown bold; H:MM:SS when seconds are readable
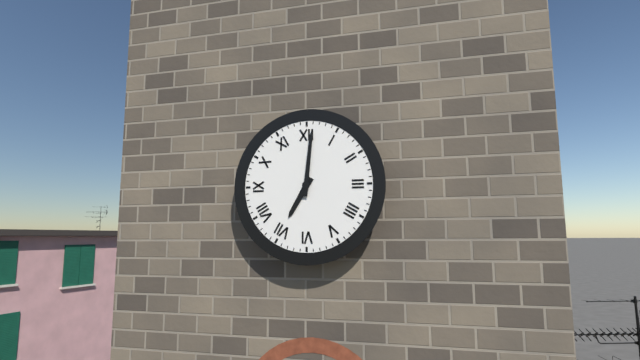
**7:01**
